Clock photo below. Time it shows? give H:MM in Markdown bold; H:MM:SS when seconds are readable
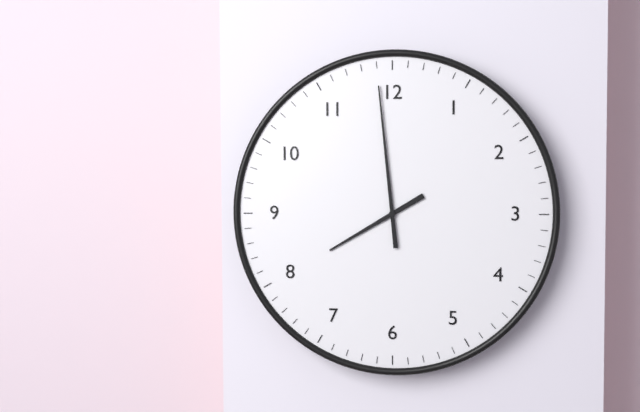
**7:59**
